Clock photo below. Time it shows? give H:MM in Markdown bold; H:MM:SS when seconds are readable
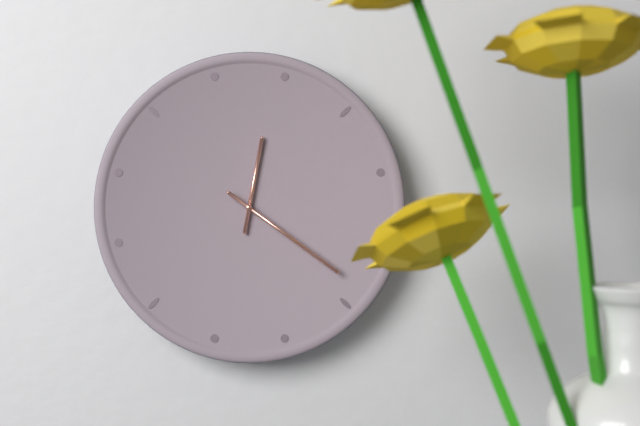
**12:21**
